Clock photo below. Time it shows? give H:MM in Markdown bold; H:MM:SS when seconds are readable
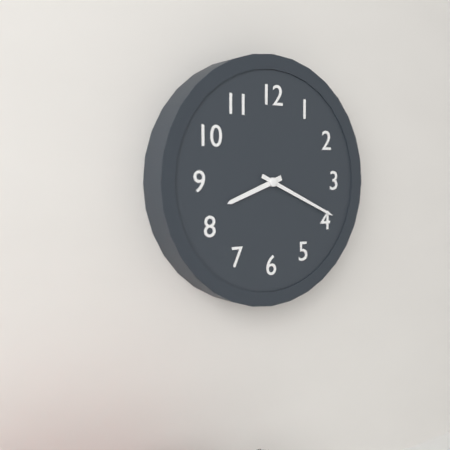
**8:19**
